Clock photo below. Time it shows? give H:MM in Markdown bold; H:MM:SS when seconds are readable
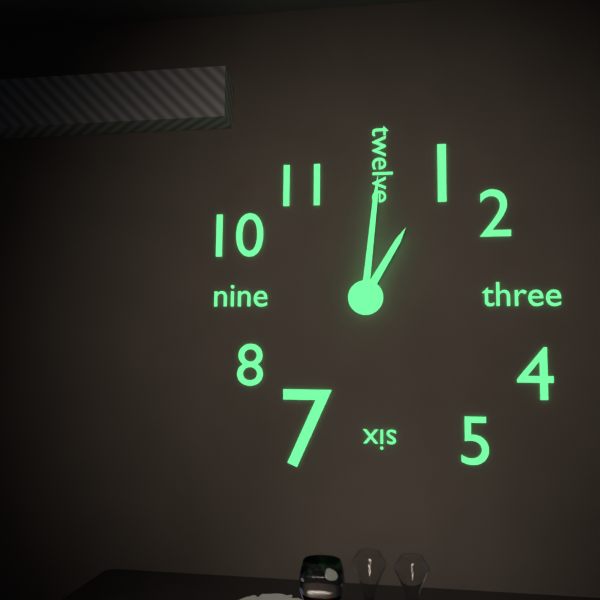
**1:01**
